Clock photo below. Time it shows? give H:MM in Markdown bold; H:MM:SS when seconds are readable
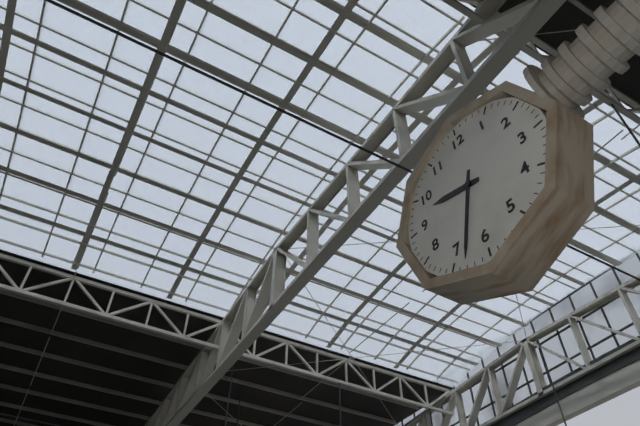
**9:33**
